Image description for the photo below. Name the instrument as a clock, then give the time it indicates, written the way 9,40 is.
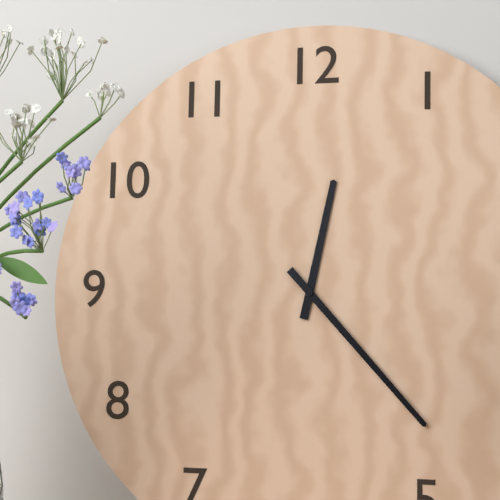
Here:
12,23
